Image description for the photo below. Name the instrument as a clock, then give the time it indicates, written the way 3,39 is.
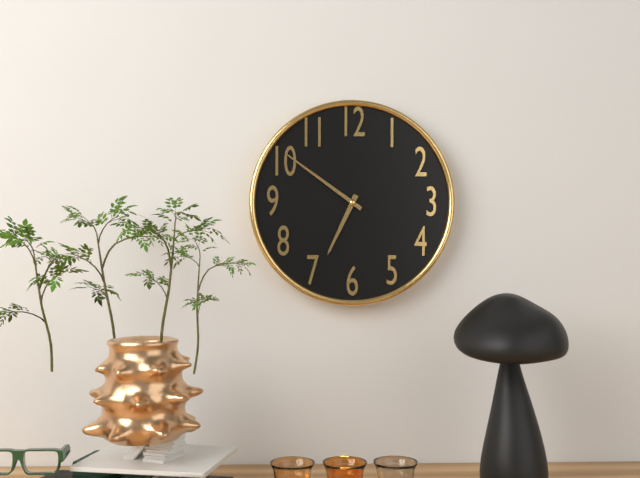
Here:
6,51
